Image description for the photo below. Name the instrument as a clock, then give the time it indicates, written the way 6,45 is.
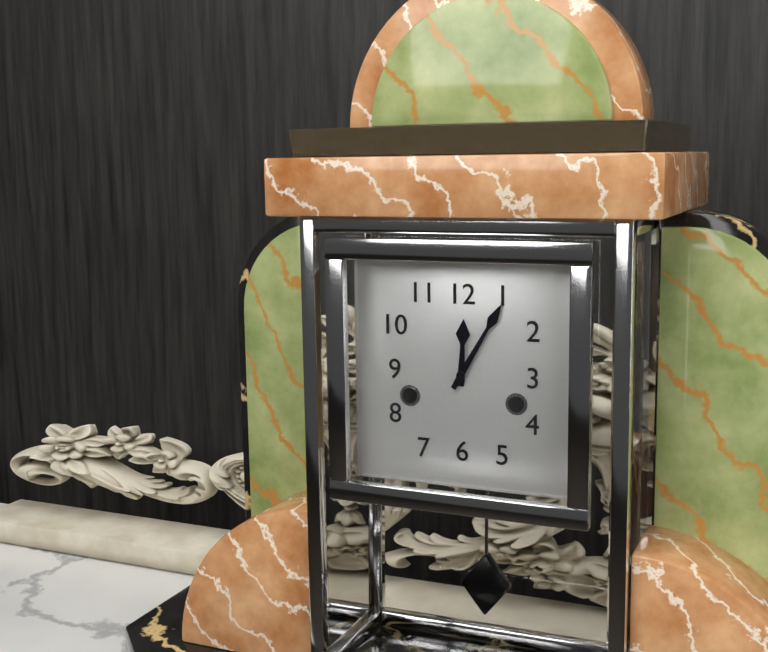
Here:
12,05
